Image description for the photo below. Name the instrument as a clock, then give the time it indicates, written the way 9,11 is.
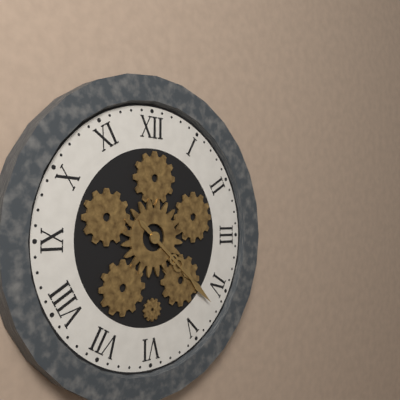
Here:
4,22
